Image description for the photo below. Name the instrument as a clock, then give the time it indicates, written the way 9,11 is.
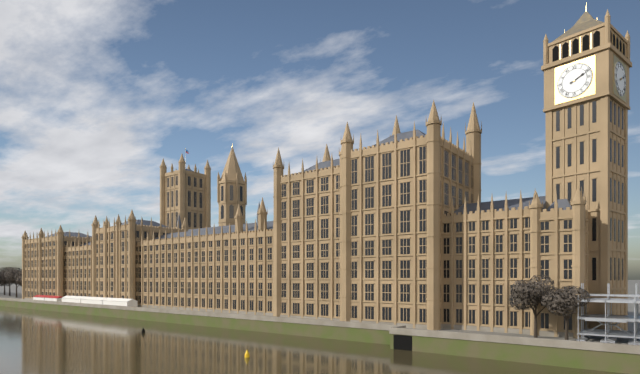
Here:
2,11
